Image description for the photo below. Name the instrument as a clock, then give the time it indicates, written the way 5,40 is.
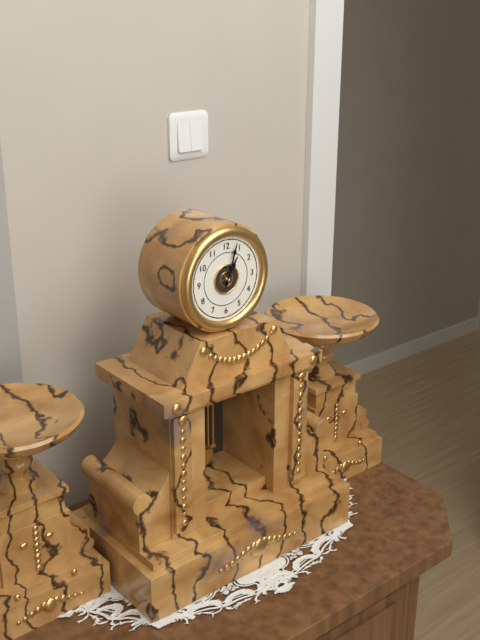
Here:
1,03
